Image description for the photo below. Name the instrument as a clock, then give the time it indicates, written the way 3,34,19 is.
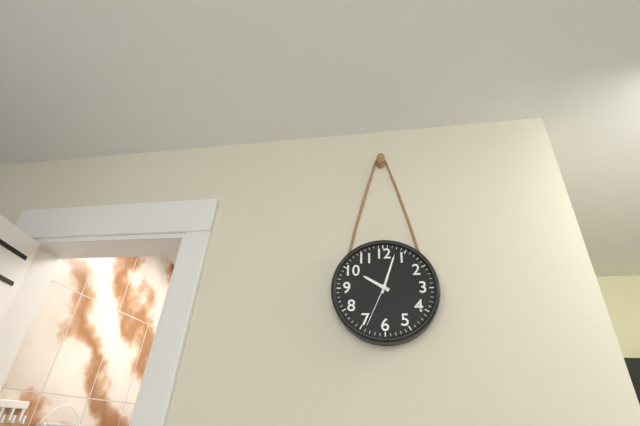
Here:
10,03,34
